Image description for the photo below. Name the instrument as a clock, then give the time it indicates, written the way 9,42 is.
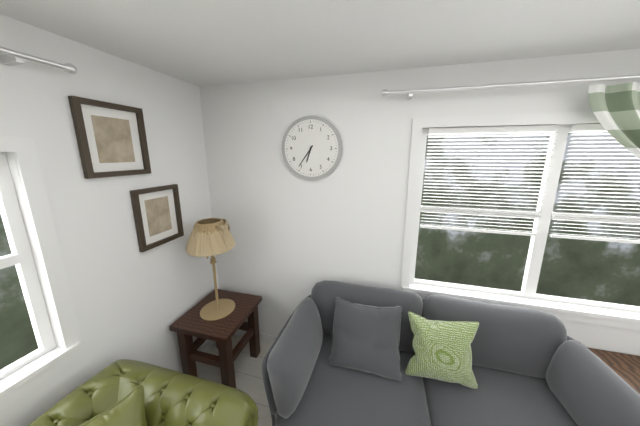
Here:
6,36
